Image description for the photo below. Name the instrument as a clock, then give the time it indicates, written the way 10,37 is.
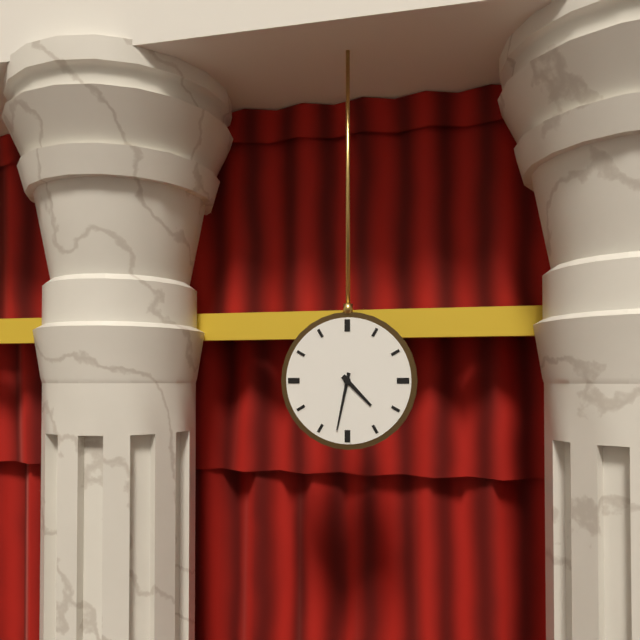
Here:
4,32
